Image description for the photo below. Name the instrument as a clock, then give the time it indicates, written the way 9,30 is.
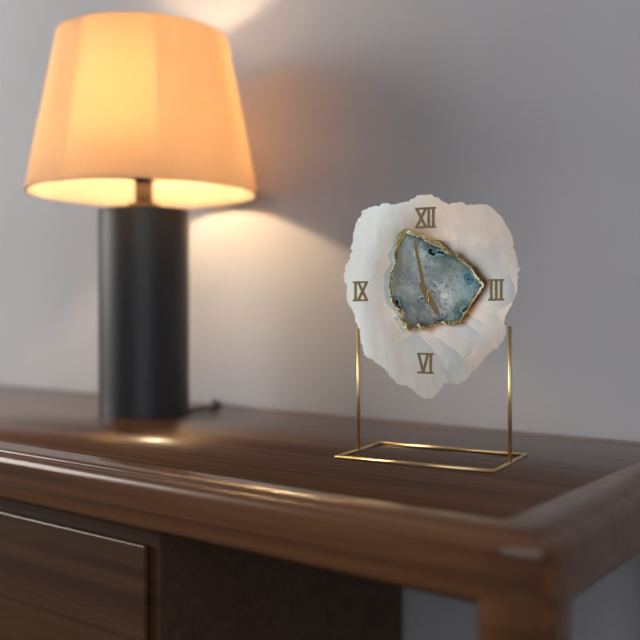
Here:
4,58
